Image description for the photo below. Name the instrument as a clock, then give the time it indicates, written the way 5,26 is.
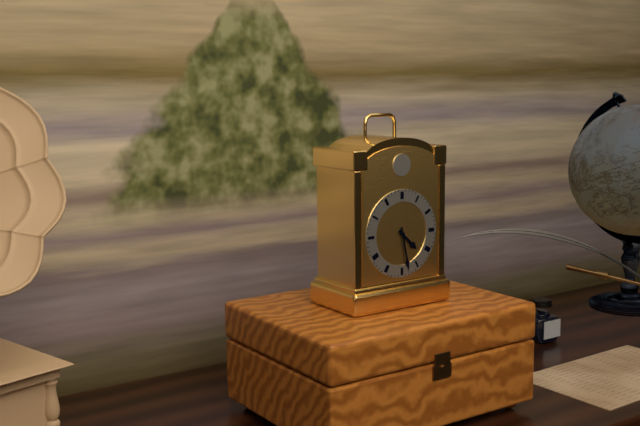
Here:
4,28
